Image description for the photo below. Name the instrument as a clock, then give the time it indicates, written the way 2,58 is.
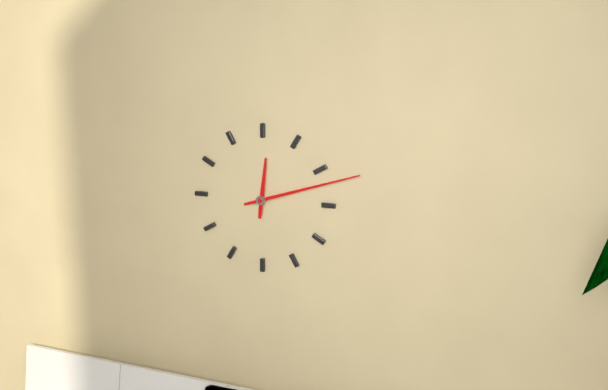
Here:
12,12
